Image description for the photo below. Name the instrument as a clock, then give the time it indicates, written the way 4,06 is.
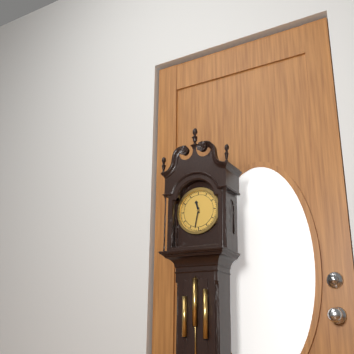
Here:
11,32
